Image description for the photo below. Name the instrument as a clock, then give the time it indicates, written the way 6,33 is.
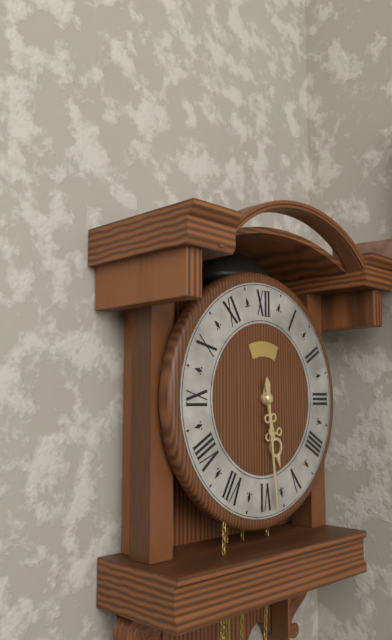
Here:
5,29
